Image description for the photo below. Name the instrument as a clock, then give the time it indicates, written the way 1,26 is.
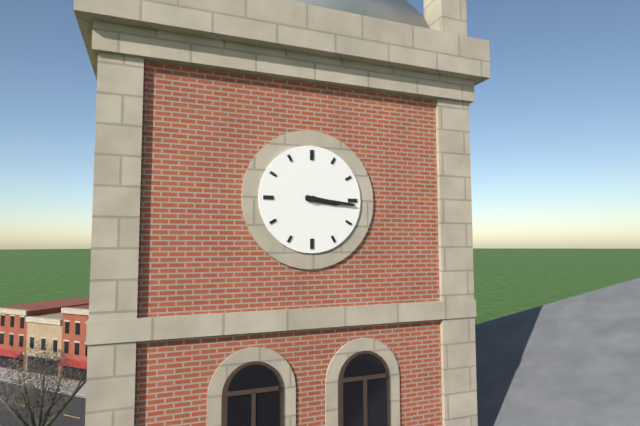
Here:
3,16
